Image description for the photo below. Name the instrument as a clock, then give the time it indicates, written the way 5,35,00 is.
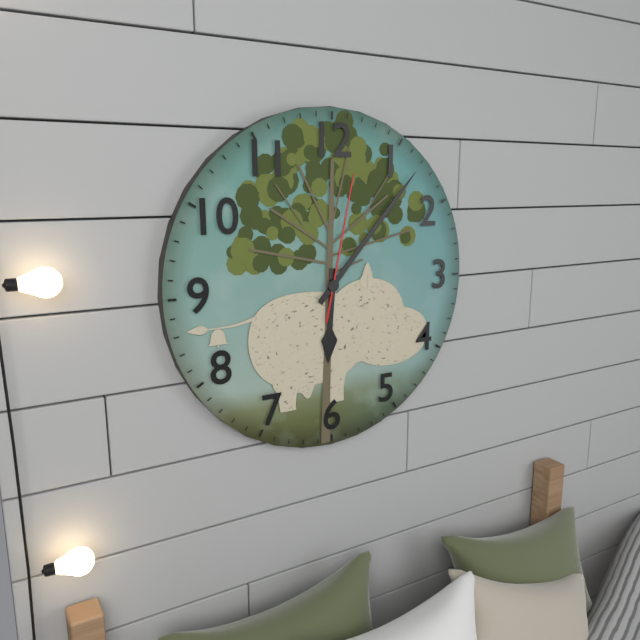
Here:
6,07,02
